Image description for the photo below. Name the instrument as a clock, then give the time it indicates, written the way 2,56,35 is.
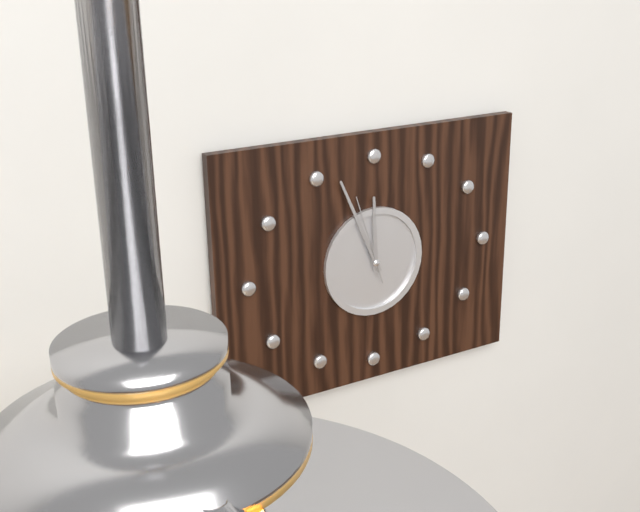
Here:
11,56,57
